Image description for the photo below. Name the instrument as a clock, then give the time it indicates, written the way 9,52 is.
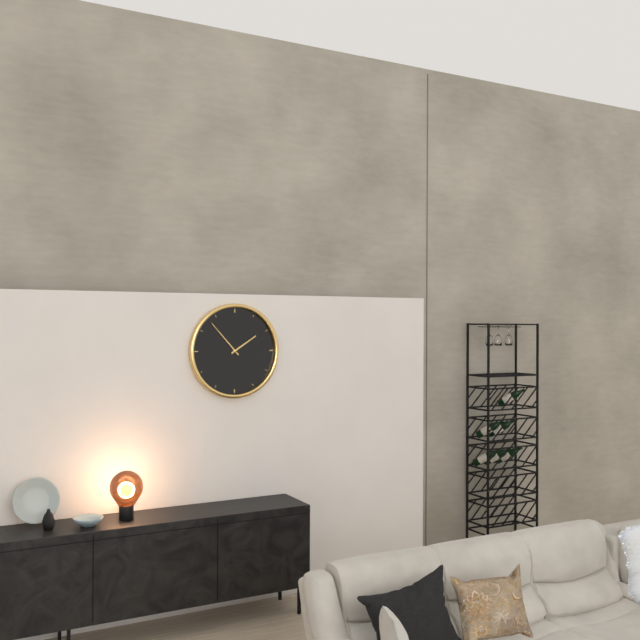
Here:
1,53
